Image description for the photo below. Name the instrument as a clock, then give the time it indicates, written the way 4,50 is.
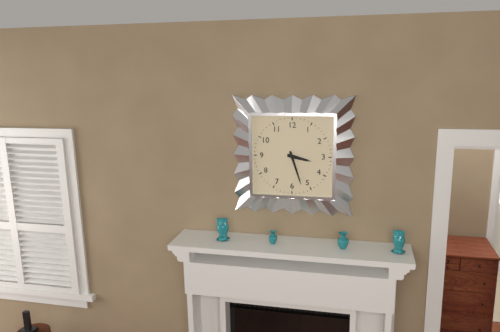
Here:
3,27
